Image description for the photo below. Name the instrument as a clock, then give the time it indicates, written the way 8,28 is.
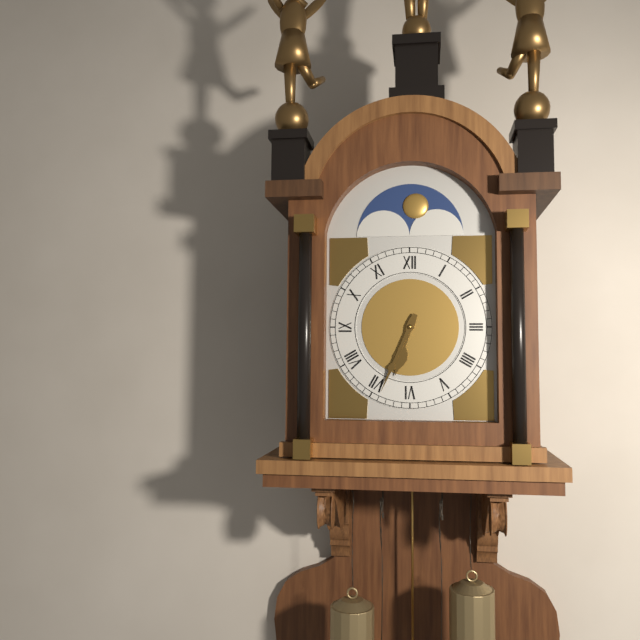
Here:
6,34
